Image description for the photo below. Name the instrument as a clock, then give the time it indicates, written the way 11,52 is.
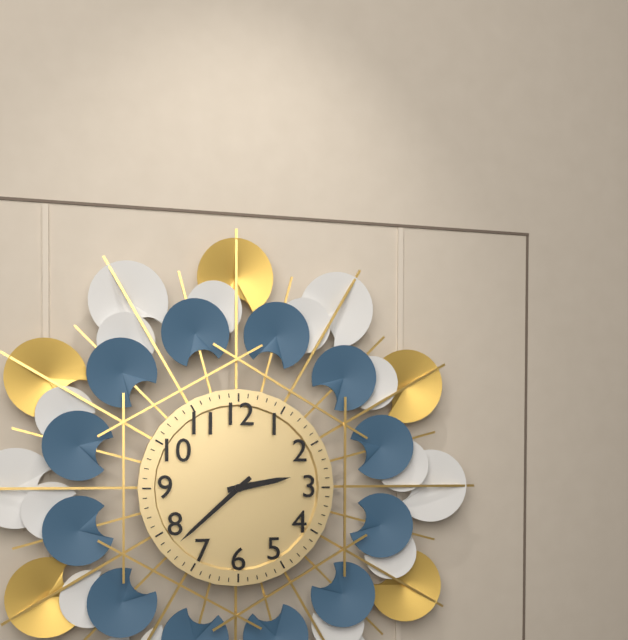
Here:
2,38
